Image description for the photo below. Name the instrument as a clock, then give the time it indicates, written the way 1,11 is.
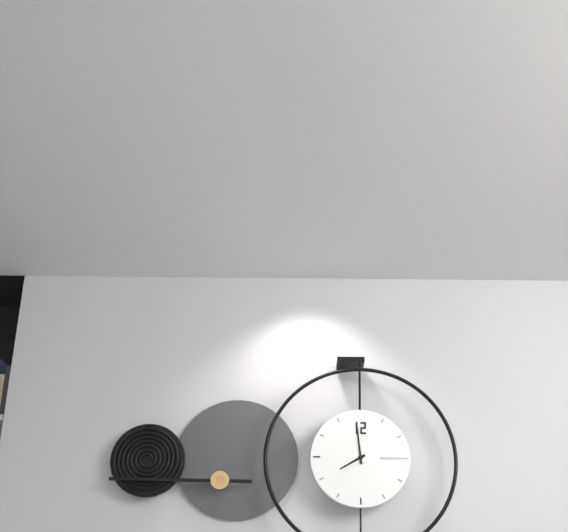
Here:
7,59
